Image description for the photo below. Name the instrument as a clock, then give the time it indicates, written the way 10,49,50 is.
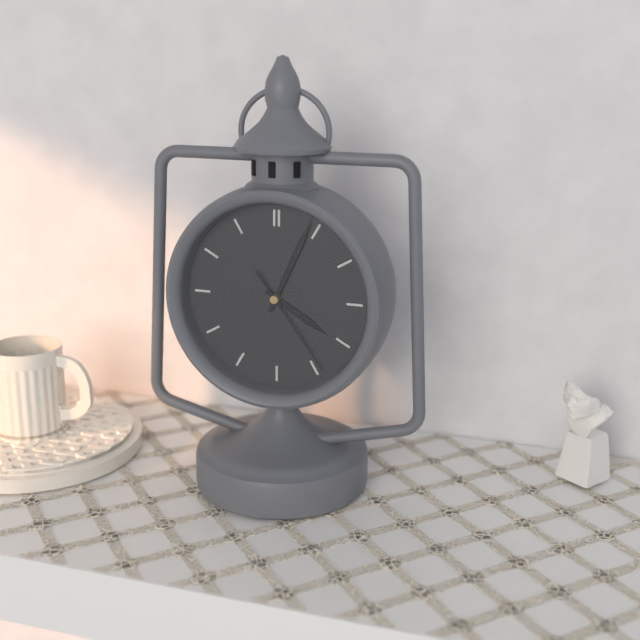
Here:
4,04,24
